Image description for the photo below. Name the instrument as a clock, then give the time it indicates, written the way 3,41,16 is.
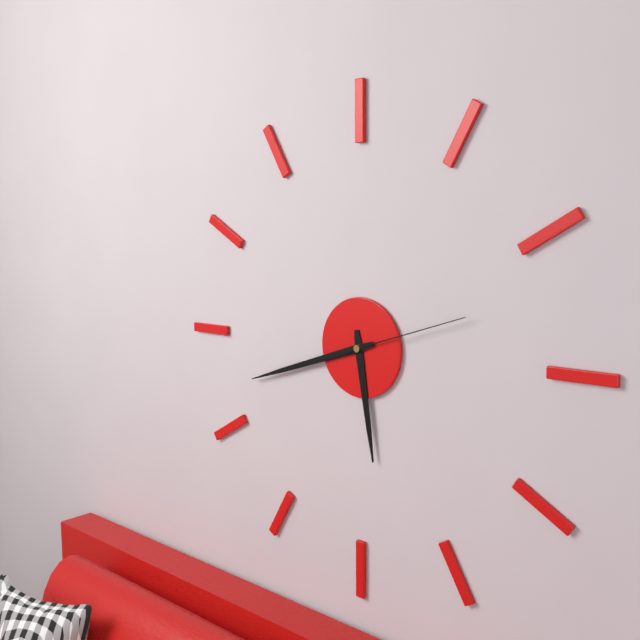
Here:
5,42,12
